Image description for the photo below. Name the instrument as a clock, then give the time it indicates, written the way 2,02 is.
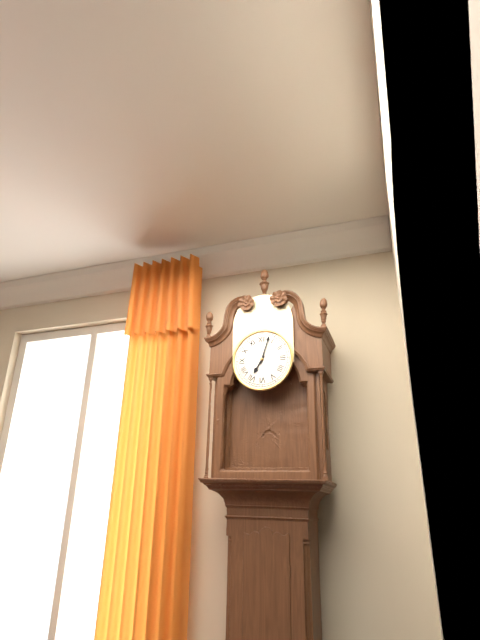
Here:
7,03
